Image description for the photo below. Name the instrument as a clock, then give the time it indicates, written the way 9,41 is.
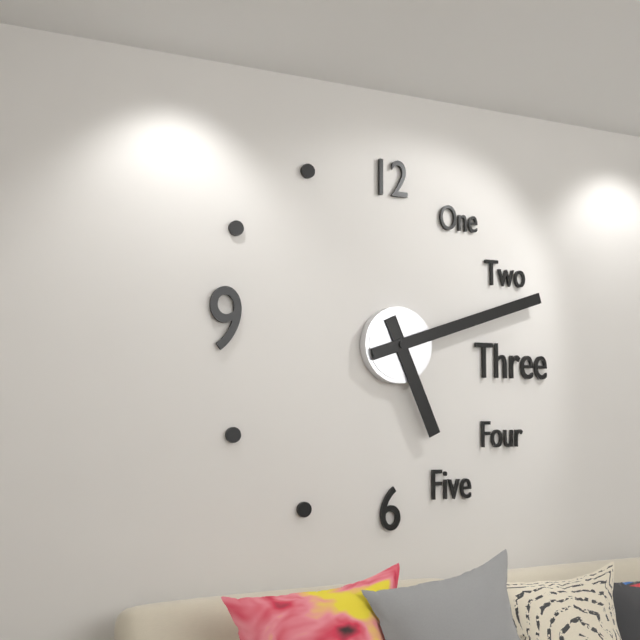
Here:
5,12
